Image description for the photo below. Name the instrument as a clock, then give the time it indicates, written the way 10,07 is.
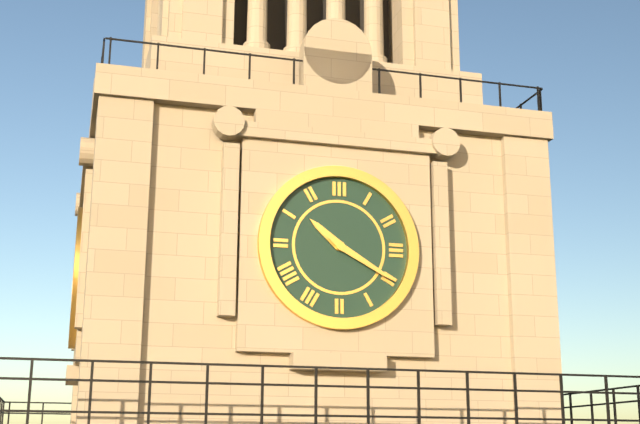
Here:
10,20
